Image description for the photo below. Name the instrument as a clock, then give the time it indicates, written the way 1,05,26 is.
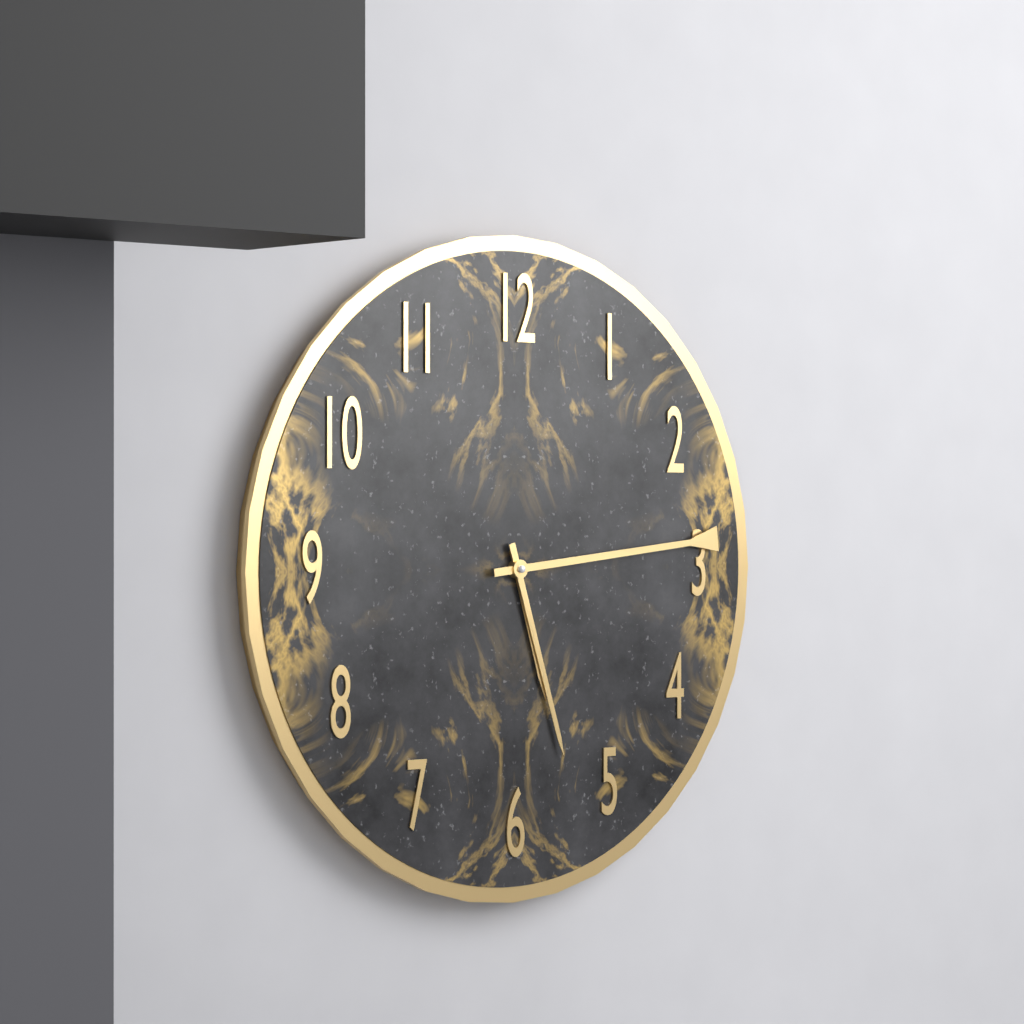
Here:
5,27,14
